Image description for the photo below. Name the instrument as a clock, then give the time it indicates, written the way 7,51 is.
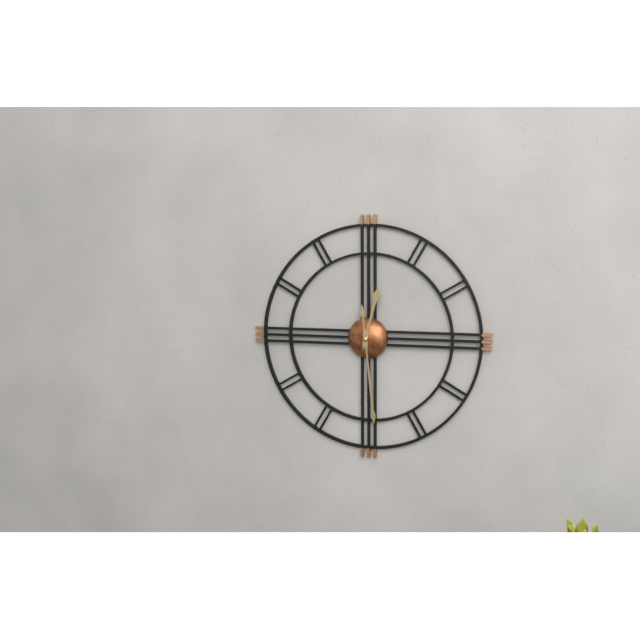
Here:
12,29
